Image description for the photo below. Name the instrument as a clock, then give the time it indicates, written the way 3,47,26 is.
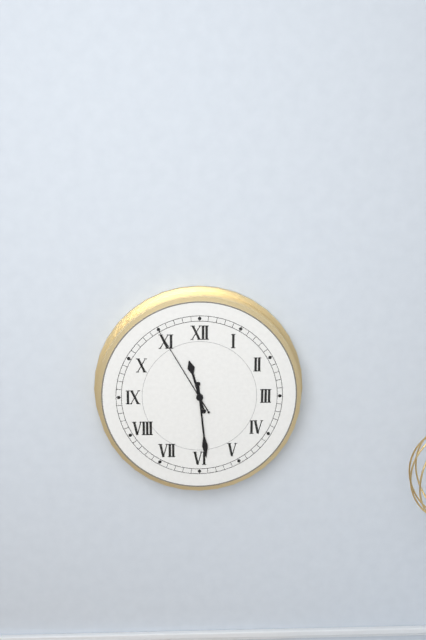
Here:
11,29,55
